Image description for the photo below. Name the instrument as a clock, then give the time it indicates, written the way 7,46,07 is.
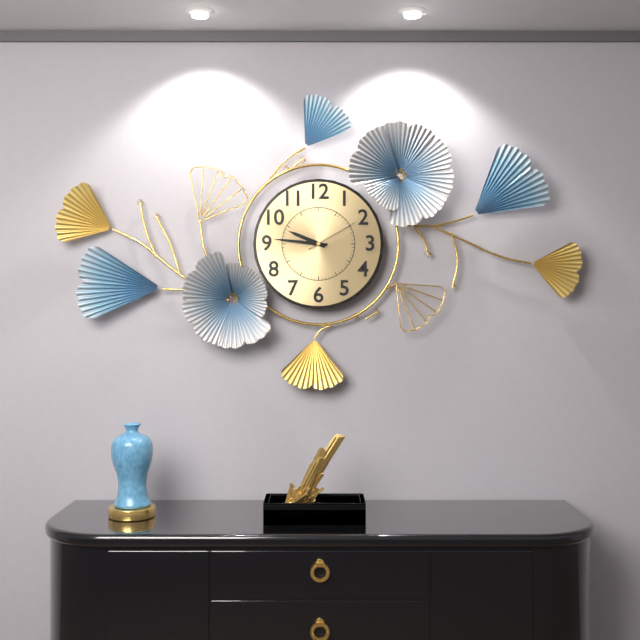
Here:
9,46,10
